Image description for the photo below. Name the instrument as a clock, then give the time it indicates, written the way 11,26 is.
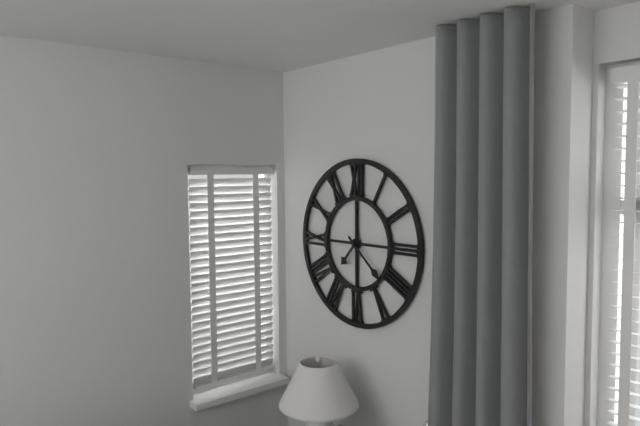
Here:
7,22
